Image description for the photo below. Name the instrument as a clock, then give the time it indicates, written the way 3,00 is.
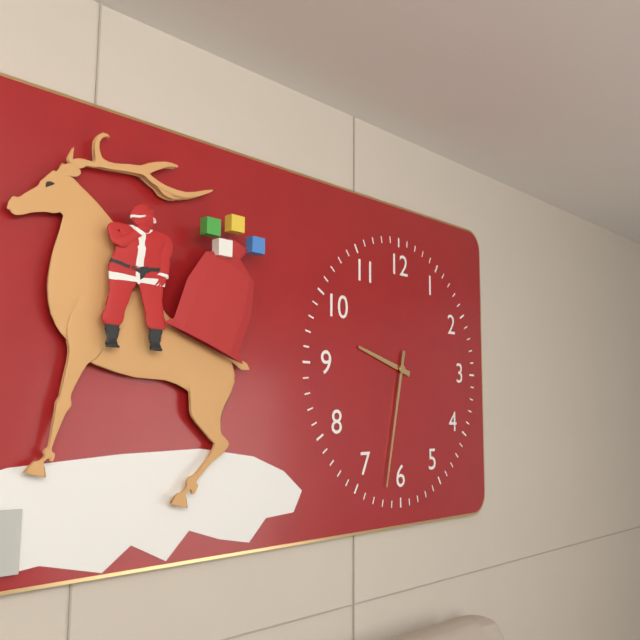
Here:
9,32
